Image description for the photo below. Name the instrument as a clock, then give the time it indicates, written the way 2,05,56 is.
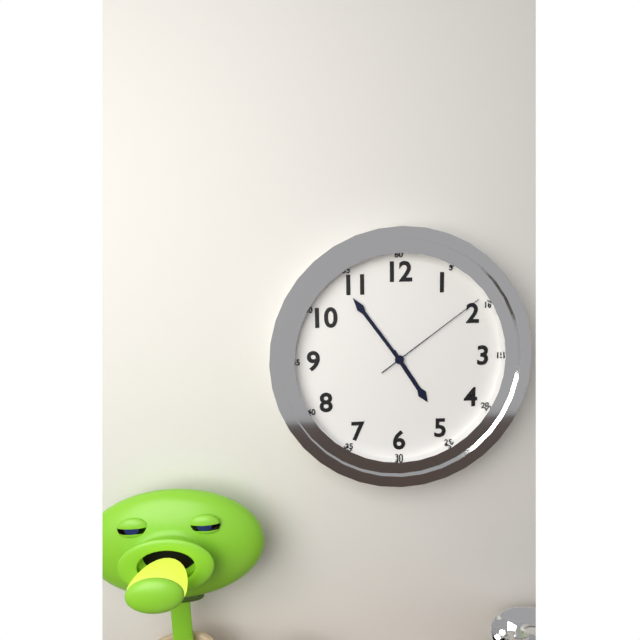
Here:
4,54,09
